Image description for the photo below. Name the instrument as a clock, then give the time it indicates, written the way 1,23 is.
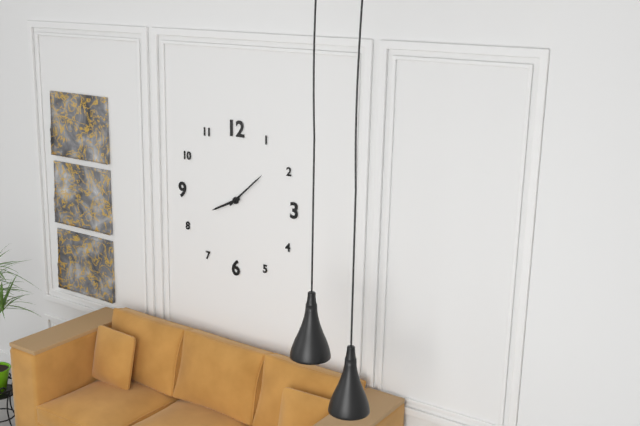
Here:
8,08
